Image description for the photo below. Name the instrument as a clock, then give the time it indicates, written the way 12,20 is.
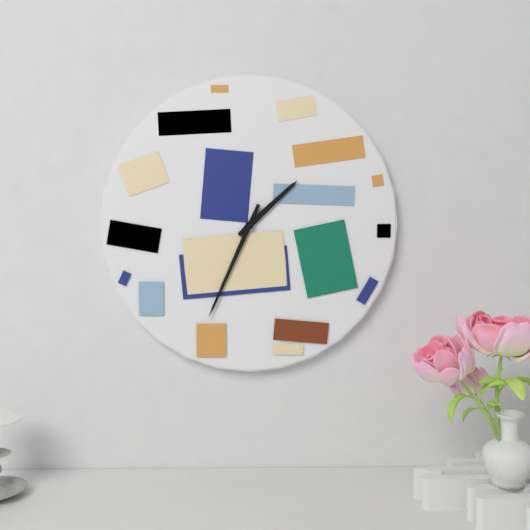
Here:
1,34
